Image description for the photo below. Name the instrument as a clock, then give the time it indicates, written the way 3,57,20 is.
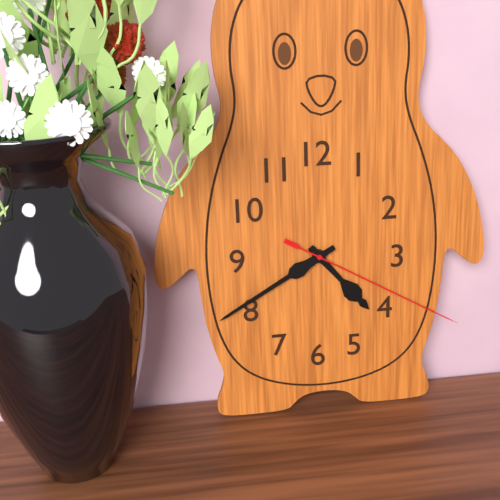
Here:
4,40,20
